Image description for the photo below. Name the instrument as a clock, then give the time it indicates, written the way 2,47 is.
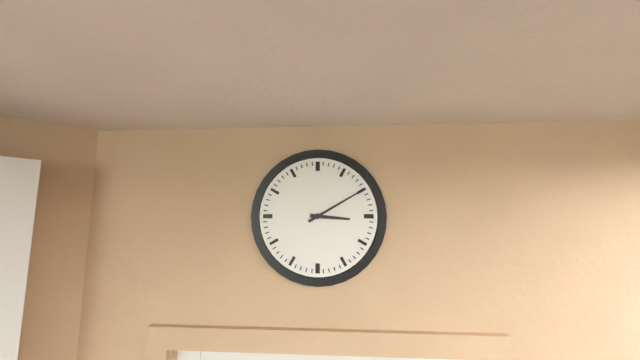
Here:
3,10
